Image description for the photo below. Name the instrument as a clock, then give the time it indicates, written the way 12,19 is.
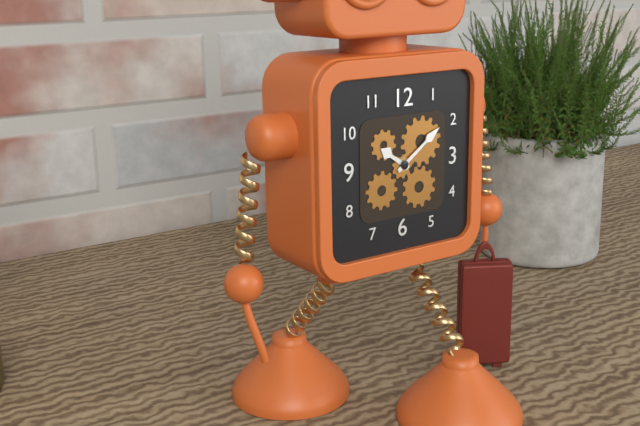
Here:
10,09
